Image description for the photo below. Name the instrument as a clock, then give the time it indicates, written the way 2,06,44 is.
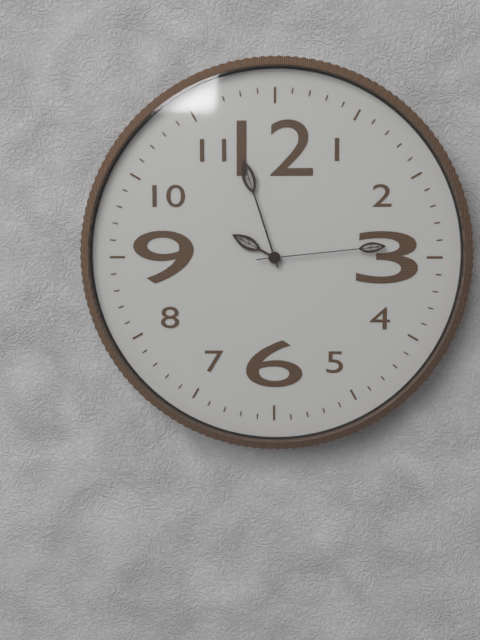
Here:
9,57,14
